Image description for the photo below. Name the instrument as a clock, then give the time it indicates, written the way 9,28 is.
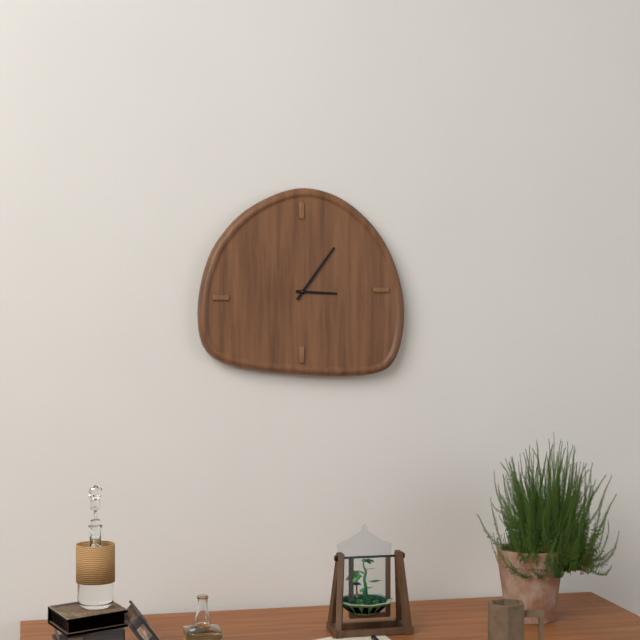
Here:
3,06
